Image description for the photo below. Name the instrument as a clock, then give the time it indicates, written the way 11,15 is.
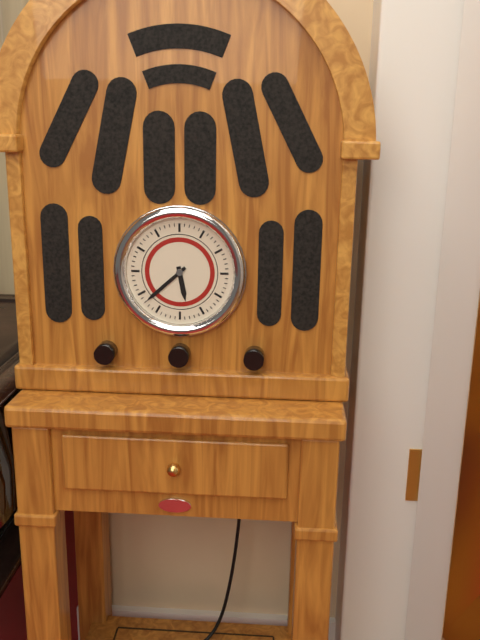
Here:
5,38
